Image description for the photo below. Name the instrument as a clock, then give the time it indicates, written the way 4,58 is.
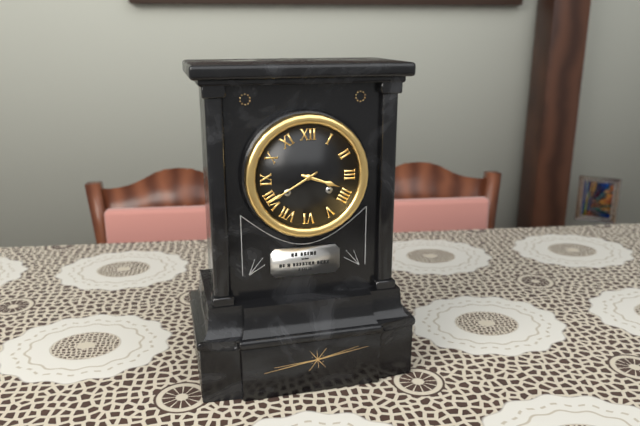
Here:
3,40
